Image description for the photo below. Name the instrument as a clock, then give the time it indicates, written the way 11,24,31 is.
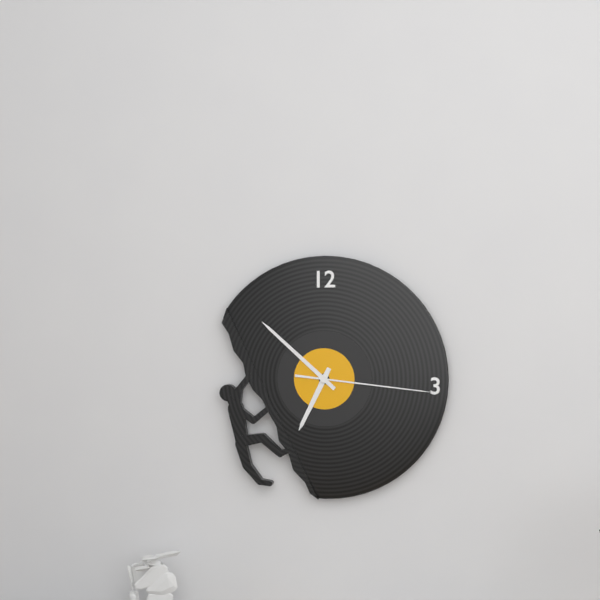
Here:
6,52,16
